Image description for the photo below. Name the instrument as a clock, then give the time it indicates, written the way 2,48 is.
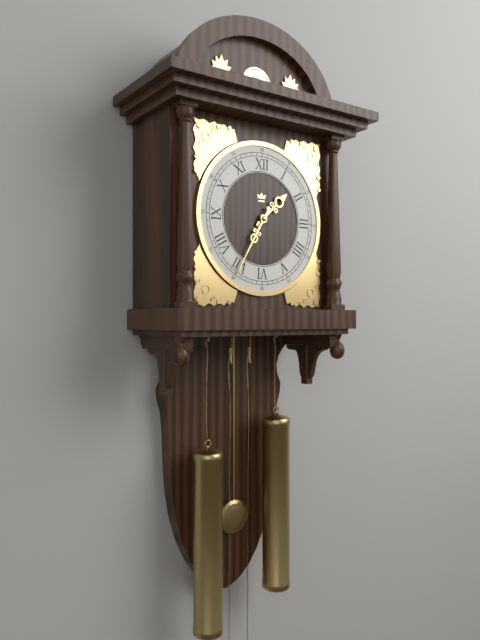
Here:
1,35
